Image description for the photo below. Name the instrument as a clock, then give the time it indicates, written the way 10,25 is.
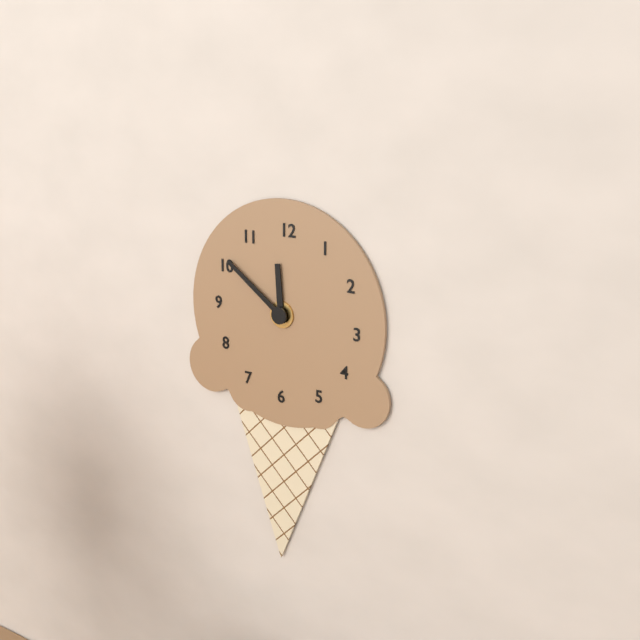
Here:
11,51
